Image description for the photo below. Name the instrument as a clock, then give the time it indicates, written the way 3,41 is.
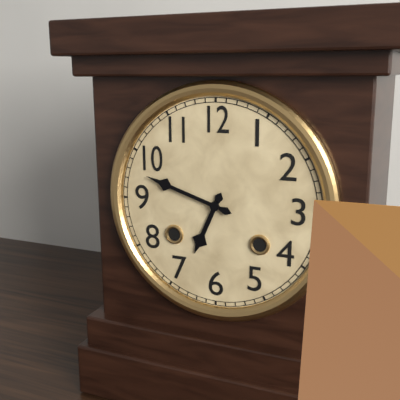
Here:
6,48
